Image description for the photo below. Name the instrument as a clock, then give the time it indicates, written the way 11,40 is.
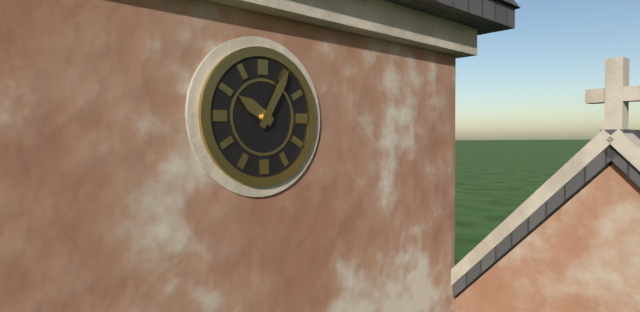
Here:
10,05
